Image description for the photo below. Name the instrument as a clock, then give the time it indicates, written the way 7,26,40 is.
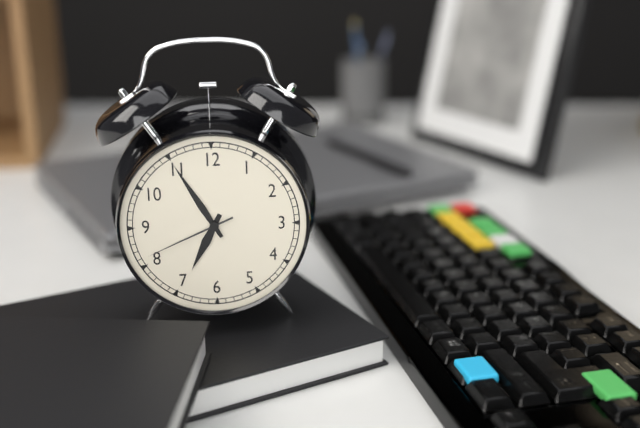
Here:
6,55,41
